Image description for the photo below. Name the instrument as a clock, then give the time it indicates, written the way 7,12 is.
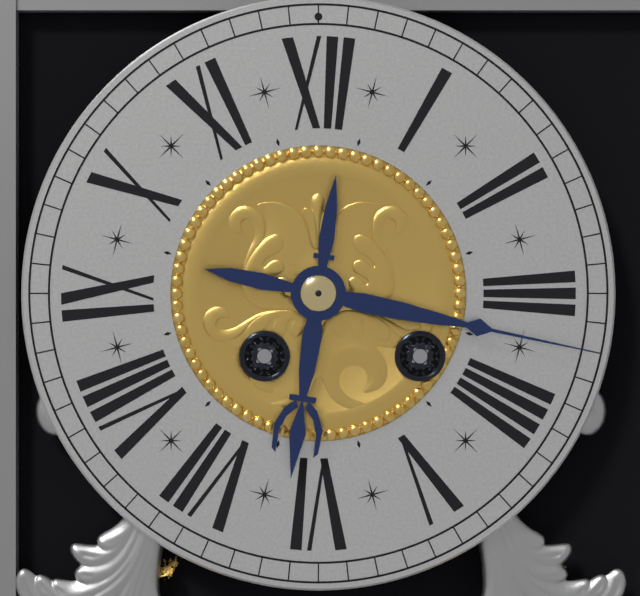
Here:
6,17
